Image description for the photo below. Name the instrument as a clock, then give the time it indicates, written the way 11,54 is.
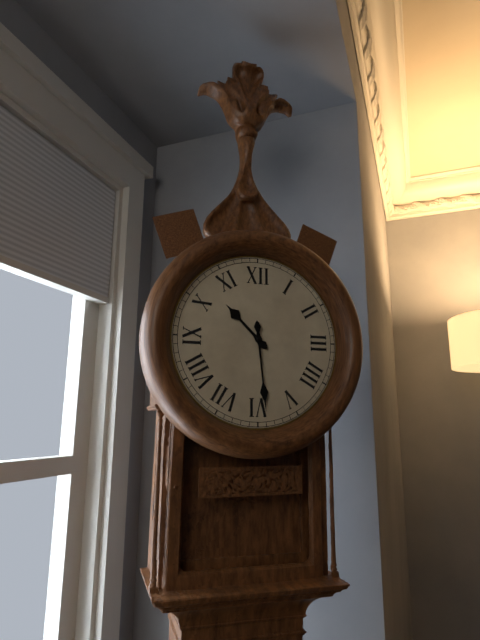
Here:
10,29
